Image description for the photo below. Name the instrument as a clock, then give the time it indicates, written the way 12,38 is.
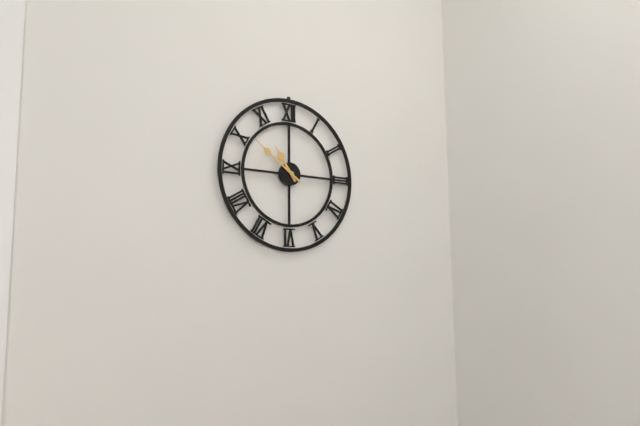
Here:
10,51
